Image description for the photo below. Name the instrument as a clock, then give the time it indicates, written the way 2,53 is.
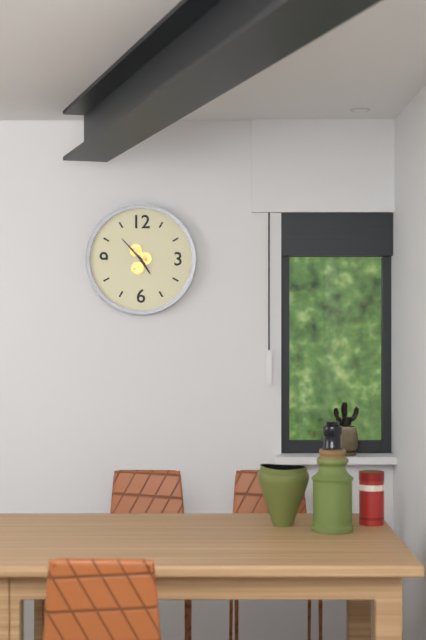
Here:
4,53
